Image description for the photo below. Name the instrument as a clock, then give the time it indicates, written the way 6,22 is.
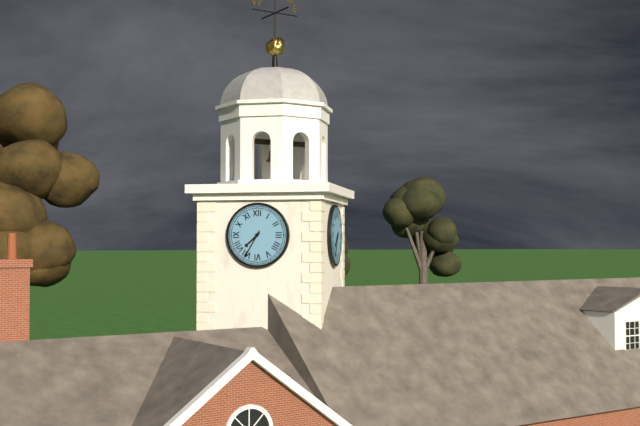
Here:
7,35
